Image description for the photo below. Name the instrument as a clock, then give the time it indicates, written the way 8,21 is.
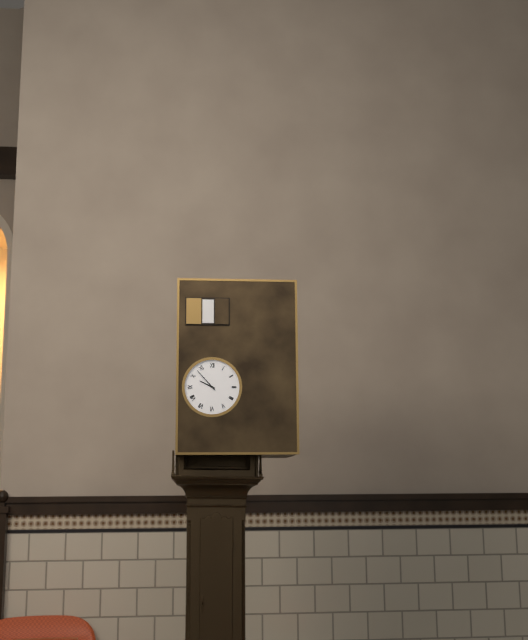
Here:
9,53
